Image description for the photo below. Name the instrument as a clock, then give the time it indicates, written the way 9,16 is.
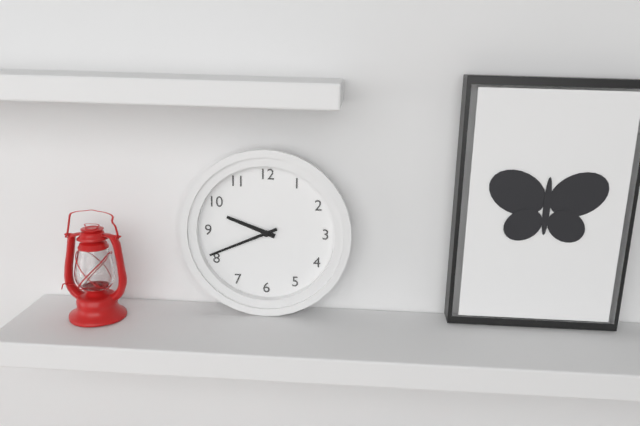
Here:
9,41
